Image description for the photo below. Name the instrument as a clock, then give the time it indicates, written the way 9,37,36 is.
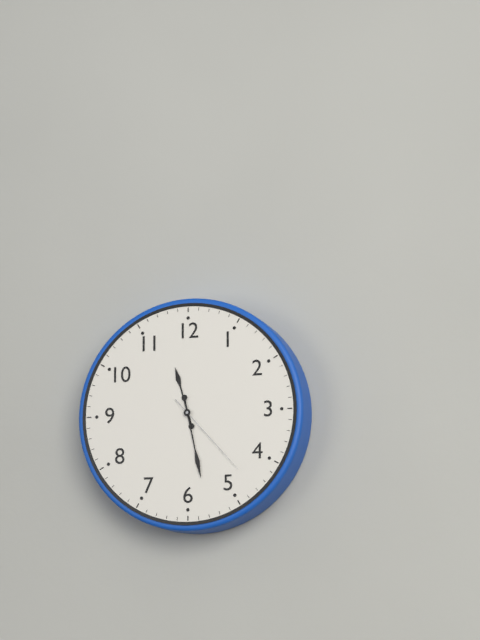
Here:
11,28,23
